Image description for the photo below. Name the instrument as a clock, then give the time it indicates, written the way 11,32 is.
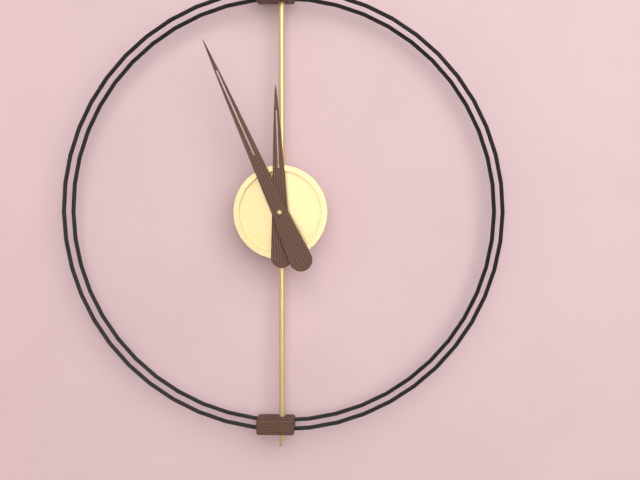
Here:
11,56
